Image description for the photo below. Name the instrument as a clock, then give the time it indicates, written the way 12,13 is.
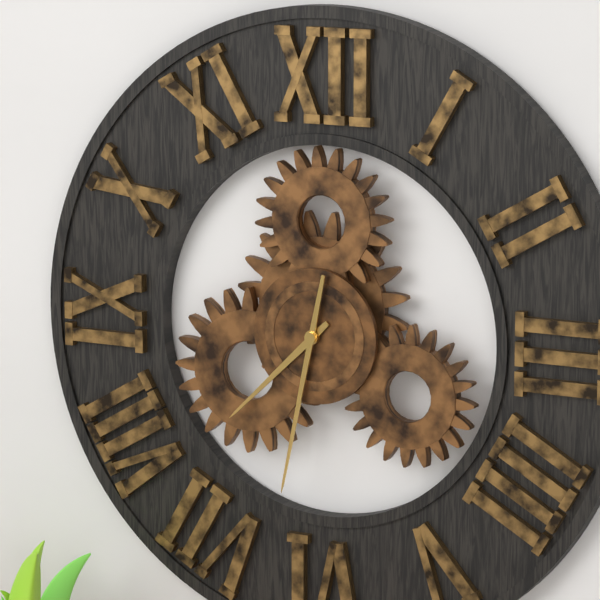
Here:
7,32
